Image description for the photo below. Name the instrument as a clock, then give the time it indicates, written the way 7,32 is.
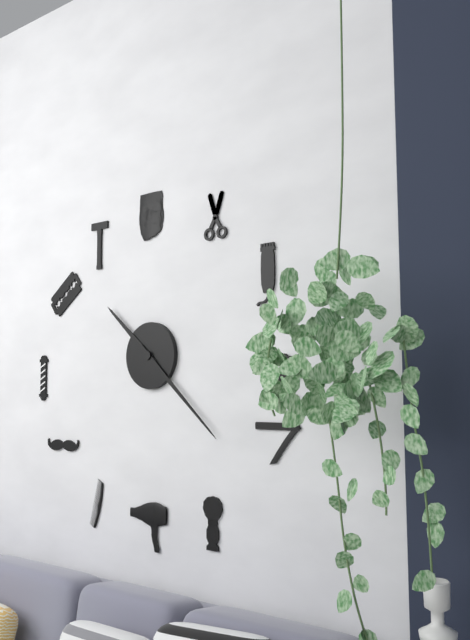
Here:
10,22
